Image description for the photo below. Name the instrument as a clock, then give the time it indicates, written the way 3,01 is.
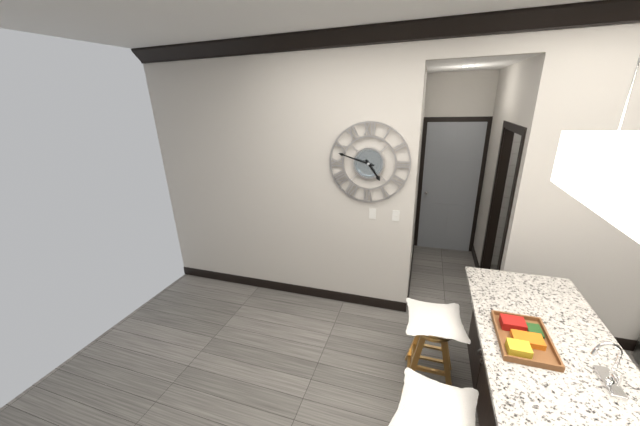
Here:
4,48
